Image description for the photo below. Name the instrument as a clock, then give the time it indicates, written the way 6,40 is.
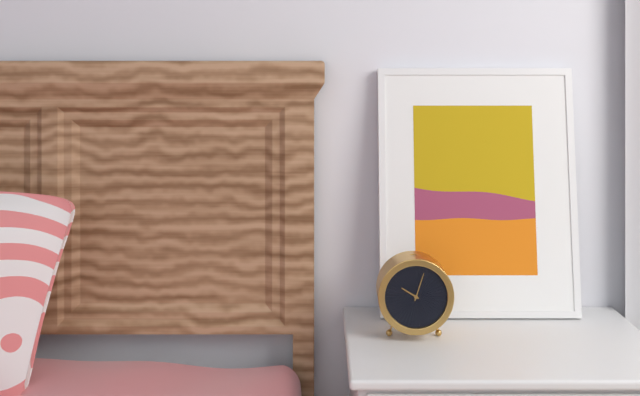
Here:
10,03
